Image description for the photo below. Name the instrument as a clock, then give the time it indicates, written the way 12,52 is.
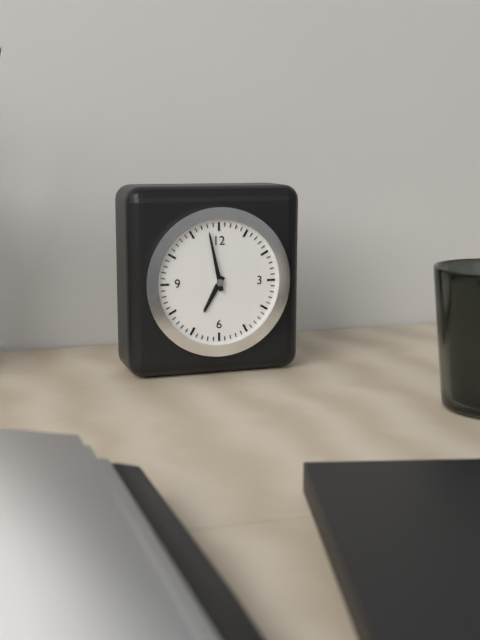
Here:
6,58
